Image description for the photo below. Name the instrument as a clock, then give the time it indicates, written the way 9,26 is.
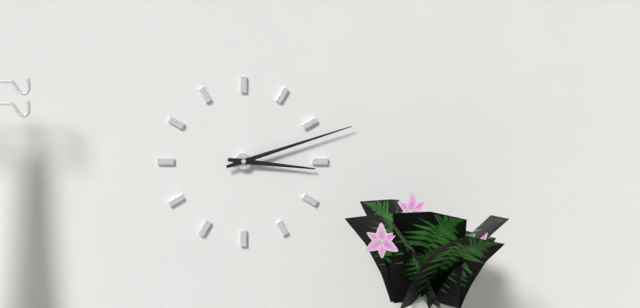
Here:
3,12
